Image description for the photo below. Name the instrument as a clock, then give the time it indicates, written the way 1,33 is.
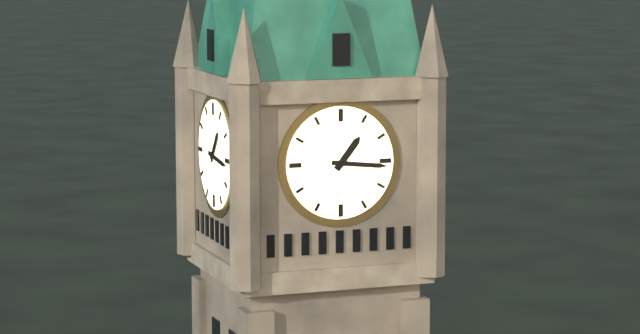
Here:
1,16
